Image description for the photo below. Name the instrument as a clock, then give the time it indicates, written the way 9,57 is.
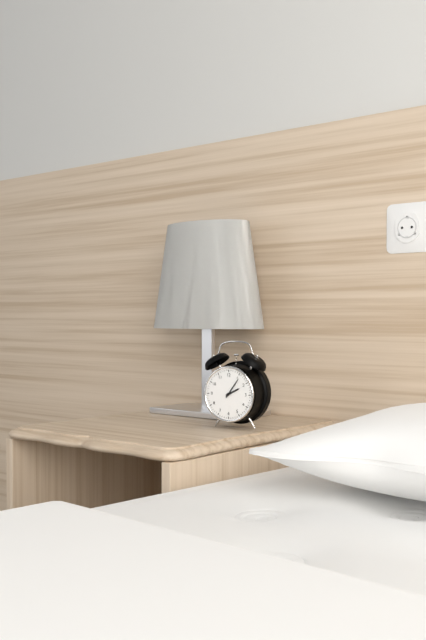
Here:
2,06
